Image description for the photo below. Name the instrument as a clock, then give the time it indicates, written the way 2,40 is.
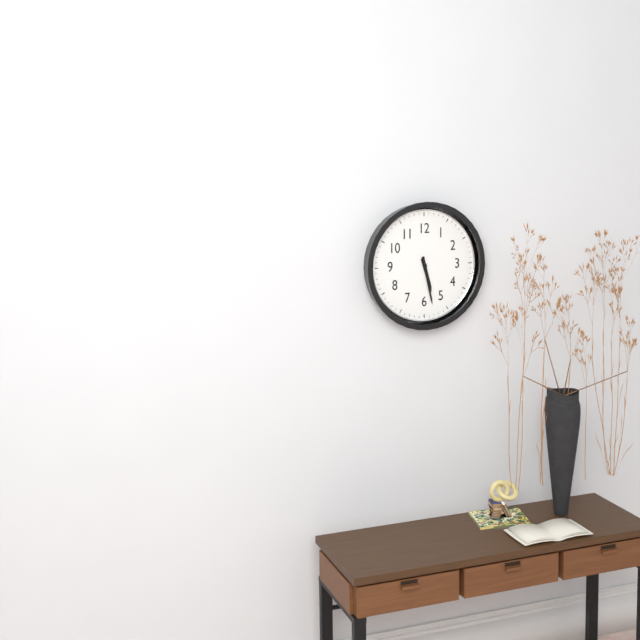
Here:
5,28
